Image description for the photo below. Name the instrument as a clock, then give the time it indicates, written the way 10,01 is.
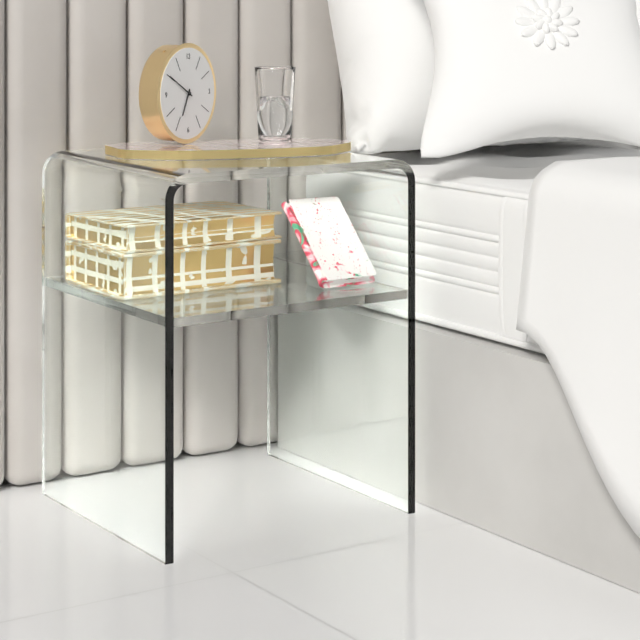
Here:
6,50
